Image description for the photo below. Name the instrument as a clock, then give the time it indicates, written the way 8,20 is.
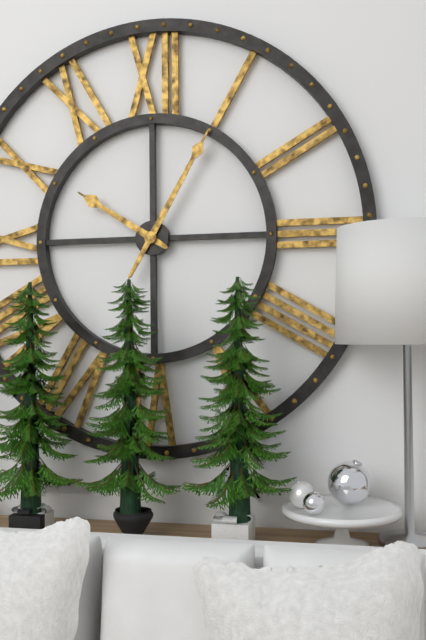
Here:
10,05
